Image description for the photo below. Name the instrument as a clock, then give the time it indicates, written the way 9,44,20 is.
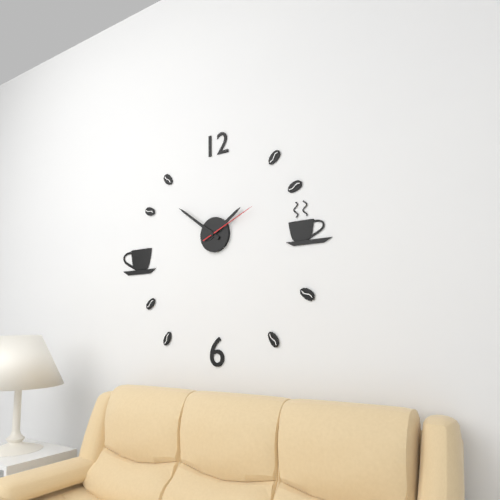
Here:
1,51,11
